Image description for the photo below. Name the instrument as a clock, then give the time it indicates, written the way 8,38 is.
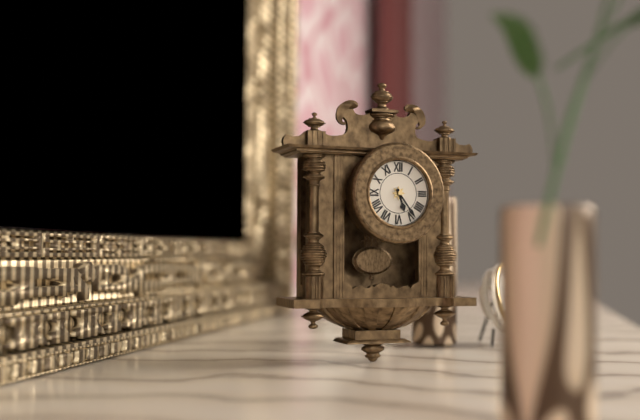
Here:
5,24
